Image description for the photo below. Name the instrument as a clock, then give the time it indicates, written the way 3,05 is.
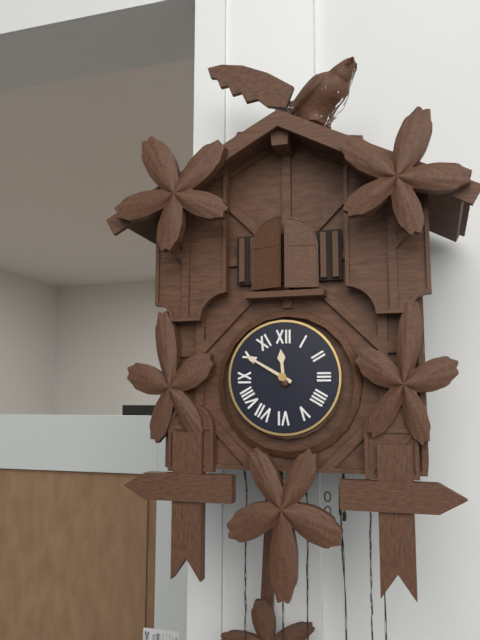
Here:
11,50
